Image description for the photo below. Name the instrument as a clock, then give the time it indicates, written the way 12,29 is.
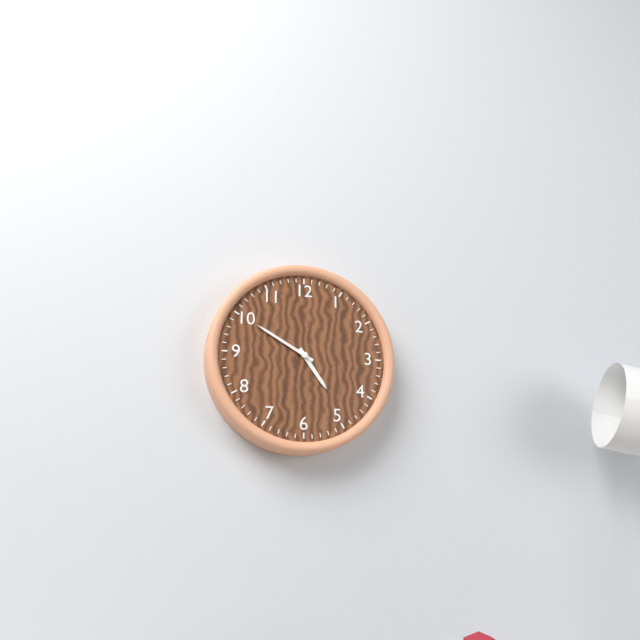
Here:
4,50
